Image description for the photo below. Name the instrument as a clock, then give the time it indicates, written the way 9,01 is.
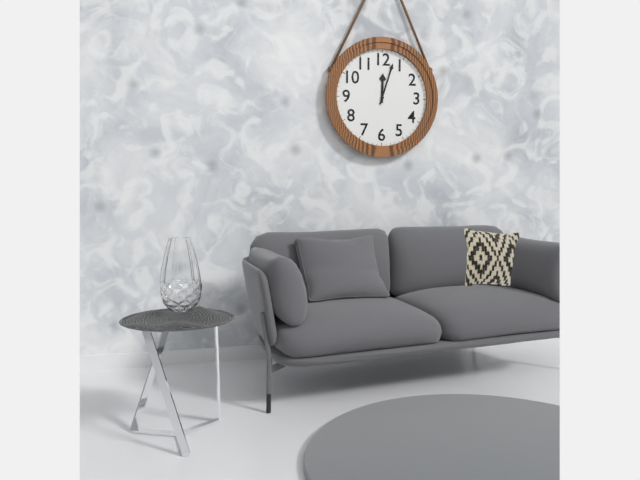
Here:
12,03
